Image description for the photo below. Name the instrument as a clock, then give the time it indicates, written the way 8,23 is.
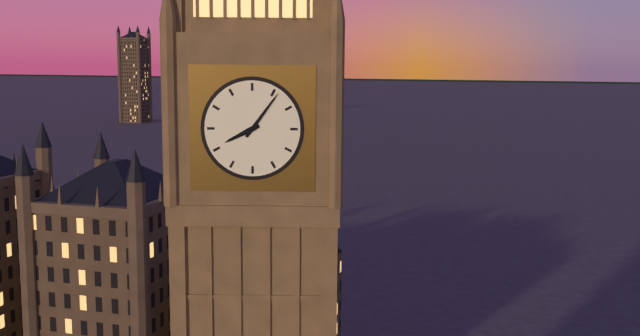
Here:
8,06
